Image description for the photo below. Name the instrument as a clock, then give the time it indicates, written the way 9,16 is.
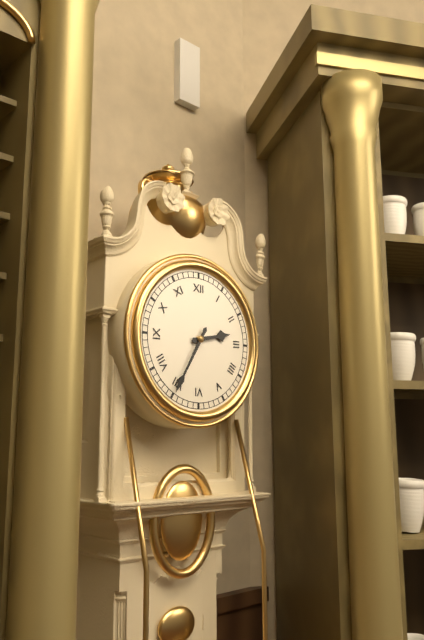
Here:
2,35
